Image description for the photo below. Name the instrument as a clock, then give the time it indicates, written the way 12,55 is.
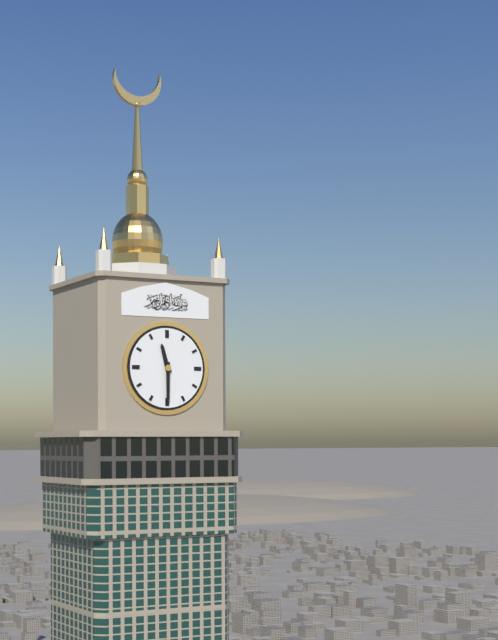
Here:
11,30
